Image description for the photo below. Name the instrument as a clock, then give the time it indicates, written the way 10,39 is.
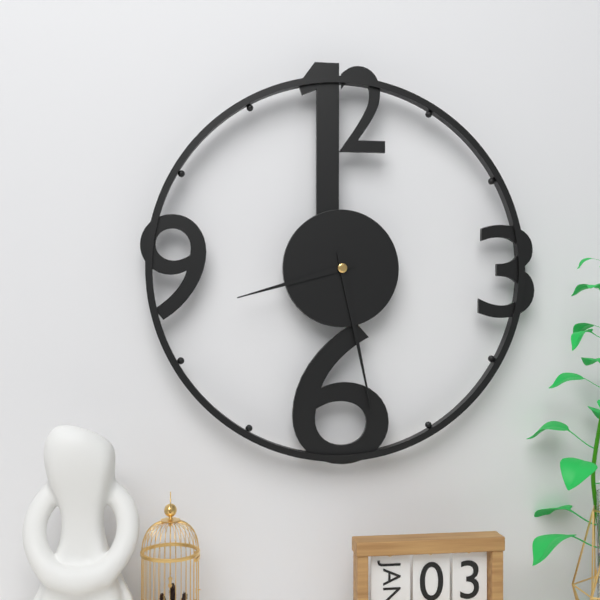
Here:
8,28
